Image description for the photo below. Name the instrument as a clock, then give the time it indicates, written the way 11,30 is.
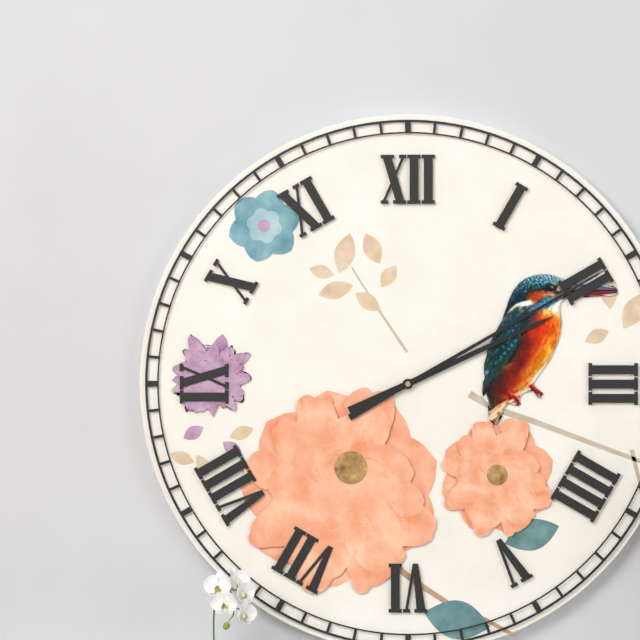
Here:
2,10
